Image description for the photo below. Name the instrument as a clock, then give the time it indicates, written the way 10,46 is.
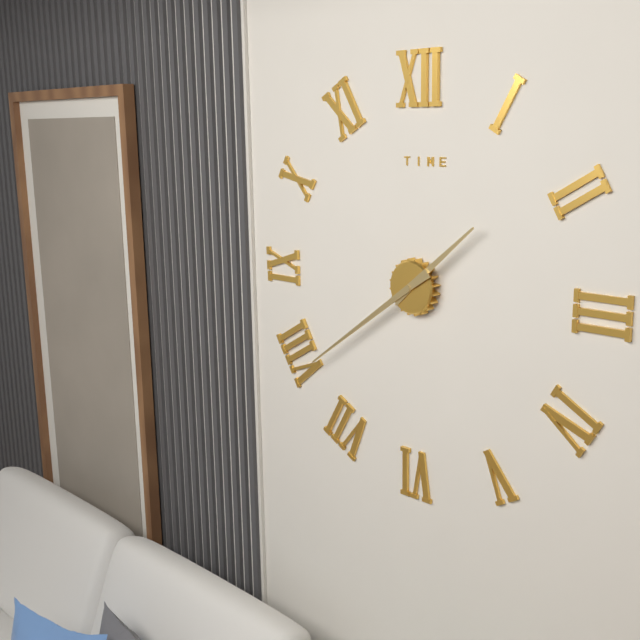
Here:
1,39
